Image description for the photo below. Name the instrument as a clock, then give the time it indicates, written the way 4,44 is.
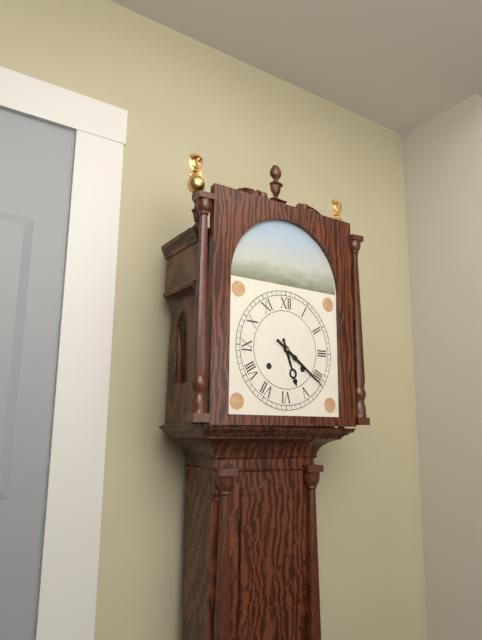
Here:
5,21
